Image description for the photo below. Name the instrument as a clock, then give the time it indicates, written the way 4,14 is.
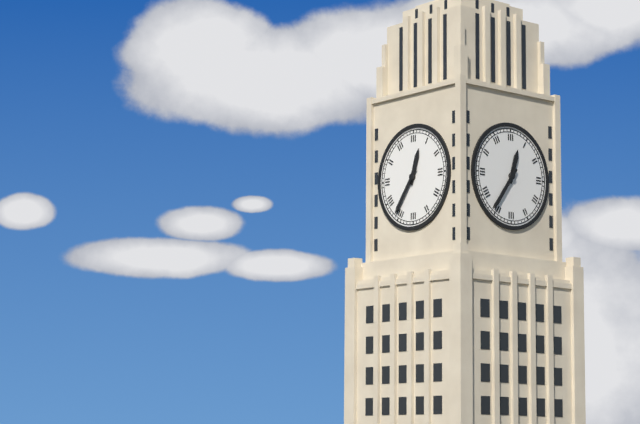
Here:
12,36
